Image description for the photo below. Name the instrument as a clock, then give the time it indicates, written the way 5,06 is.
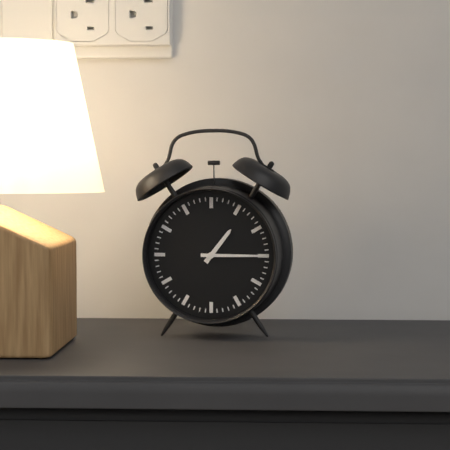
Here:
1,15
